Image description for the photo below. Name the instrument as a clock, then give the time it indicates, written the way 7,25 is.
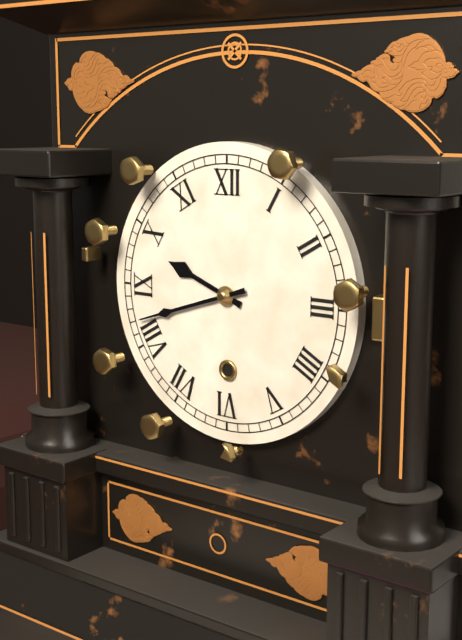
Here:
9,42
